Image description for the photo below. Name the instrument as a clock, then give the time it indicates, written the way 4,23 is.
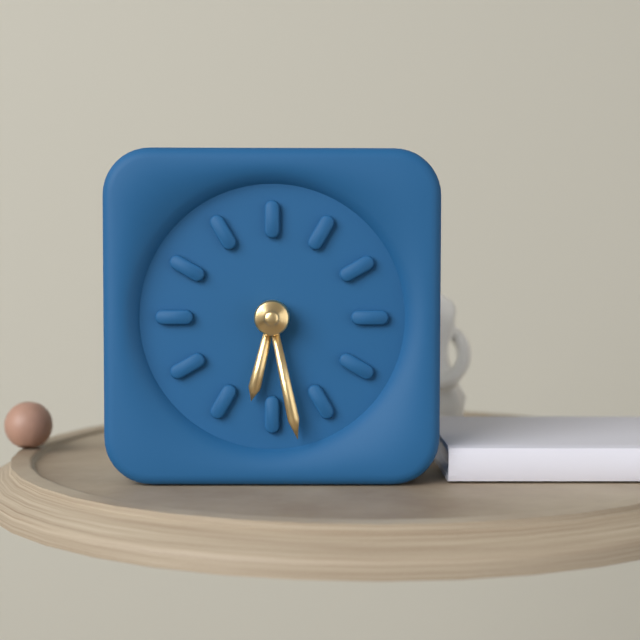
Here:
6,28
